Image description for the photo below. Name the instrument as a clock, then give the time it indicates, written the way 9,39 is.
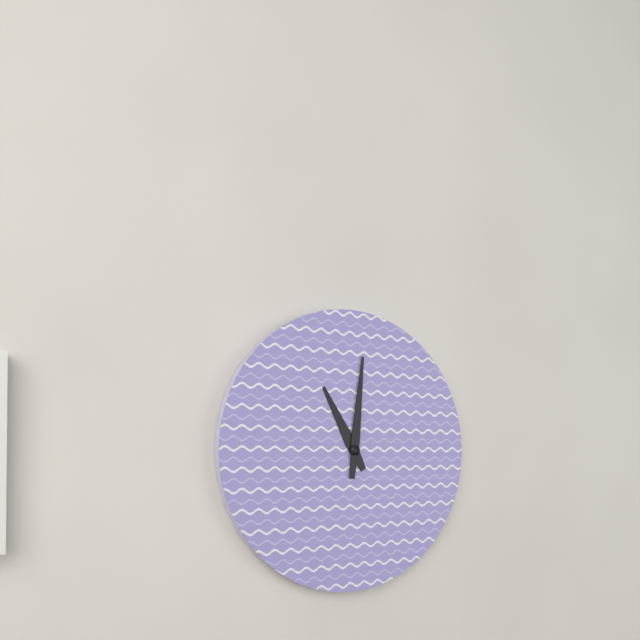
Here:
11,01
